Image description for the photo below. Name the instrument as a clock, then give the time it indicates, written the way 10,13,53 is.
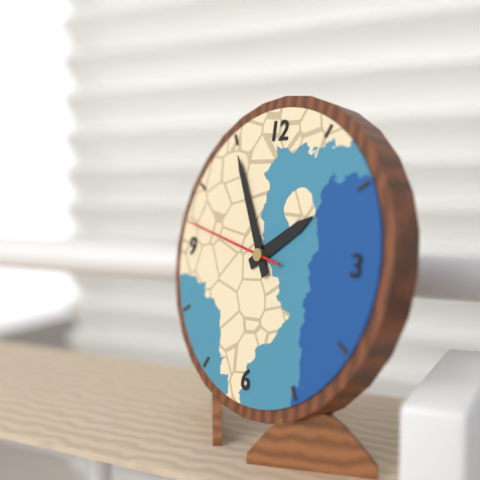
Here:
1,55,47
